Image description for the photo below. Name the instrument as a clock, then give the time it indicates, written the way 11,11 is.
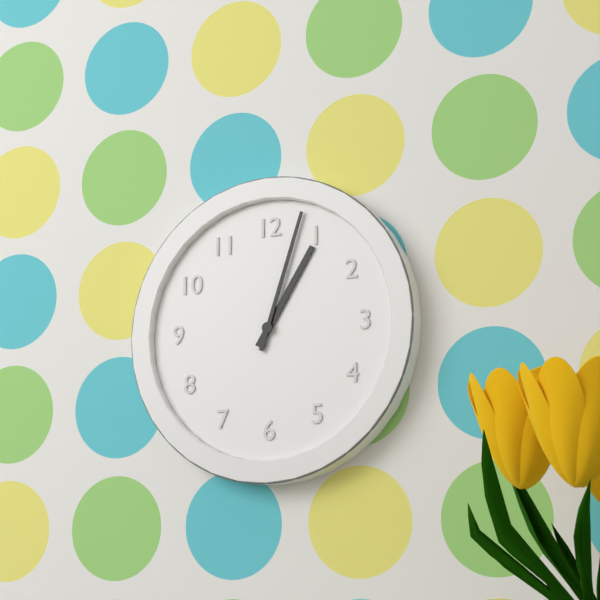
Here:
1,03
